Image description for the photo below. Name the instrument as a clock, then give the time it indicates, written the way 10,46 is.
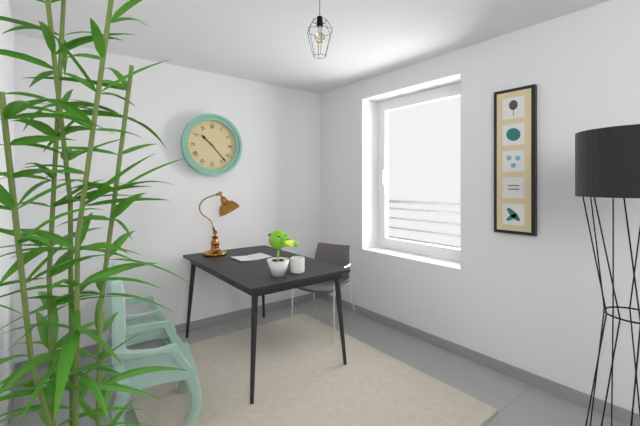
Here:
10,23
